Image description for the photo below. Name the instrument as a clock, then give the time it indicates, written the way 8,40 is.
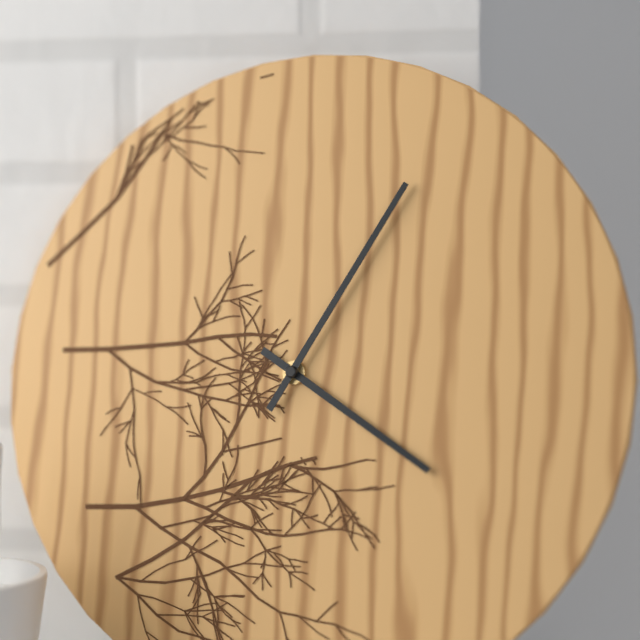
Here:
4,05
